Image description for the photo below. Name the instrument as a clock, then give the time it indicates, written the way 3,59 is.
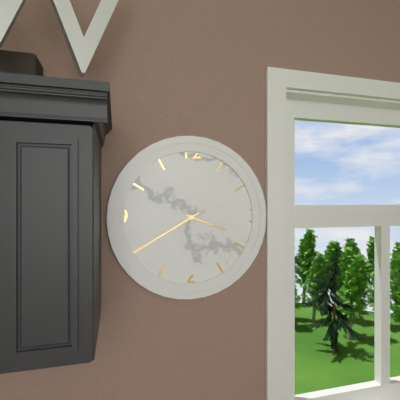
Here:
3,40
